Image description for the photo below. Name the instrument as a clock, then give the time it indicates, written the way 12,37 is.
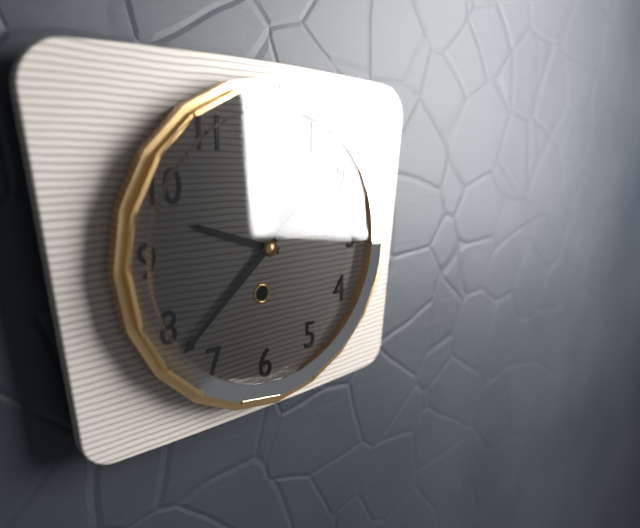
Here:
9,38
